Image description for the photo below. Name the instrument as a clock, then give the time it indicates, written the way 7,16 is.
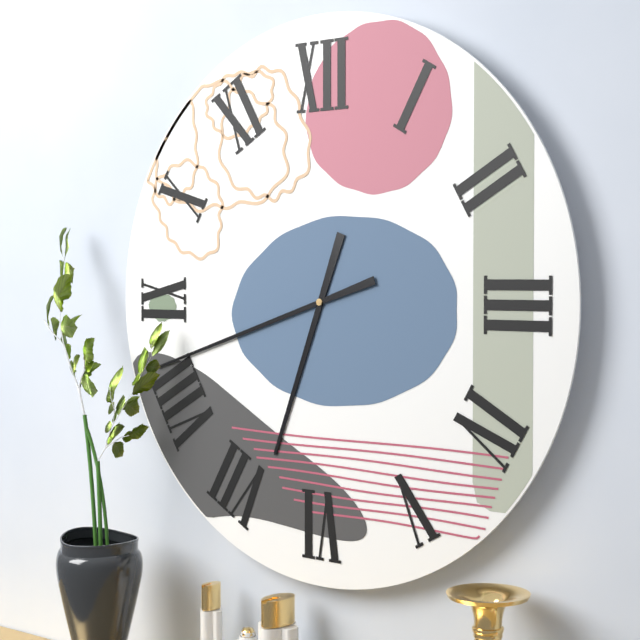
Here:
6,42
